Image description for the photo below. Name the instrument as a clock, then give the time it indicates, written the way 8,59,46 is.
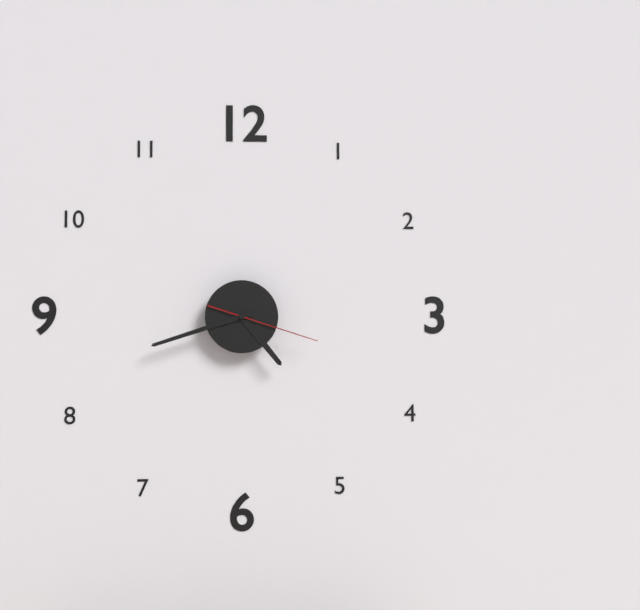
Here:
4,42,18
